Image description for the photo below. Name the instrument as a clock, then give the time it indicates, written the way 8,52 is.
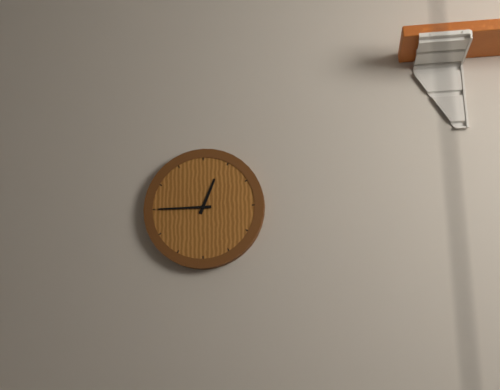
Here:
12,45
